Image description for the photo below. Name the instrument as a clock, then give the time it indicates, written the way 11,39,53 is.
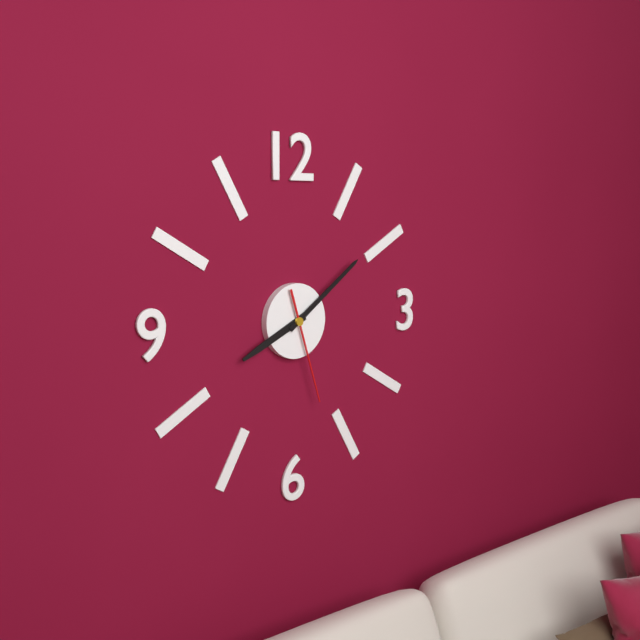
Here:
8,09,27
